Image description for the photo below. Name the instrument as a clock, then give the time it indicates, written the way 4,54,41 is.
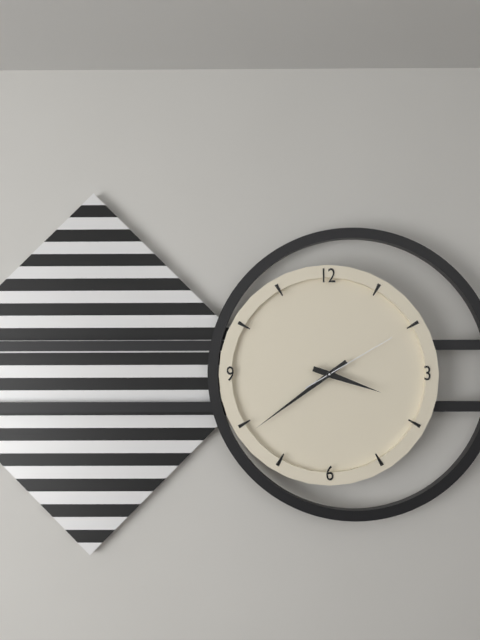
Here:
3,39,10
